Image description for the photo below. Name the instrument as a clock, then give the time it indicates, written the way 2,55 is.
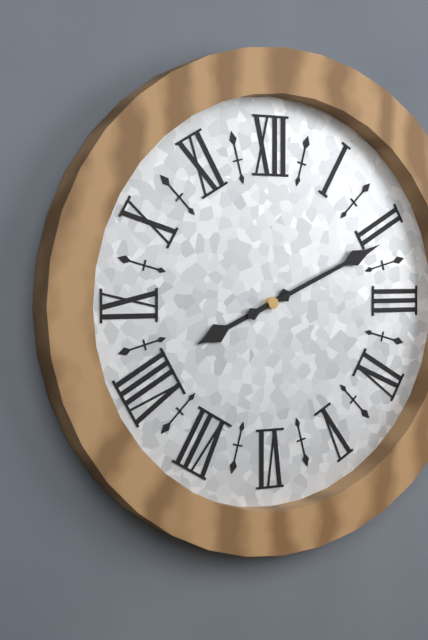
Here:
8,11
